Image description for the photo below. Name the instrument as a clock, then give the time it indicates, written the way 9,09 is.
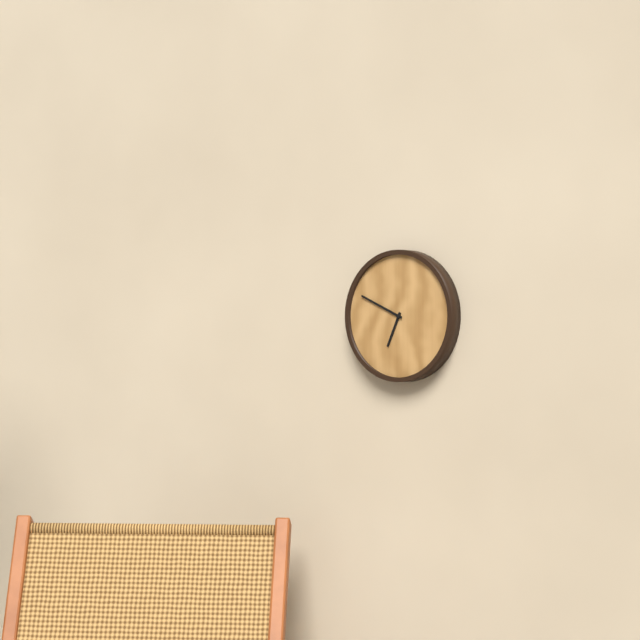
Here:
6,49
